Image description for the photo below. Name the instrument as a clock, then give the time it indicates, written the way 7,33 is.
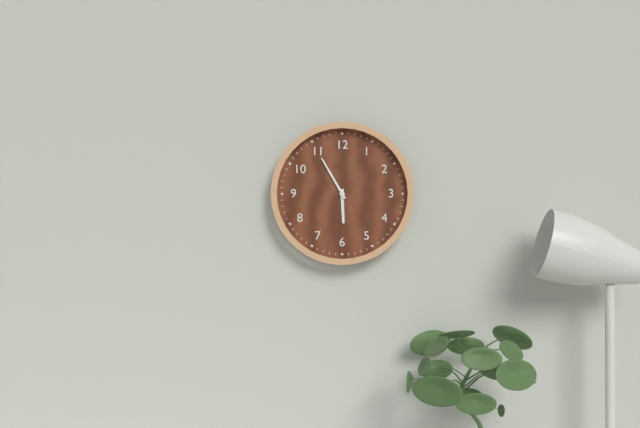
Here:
5,55
